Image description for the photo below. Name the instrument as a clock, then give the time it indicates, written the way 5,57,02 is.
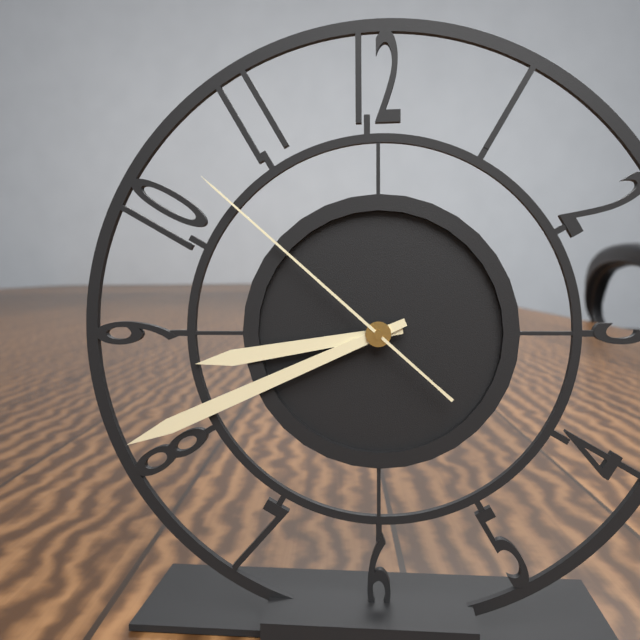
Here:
8,41,52
